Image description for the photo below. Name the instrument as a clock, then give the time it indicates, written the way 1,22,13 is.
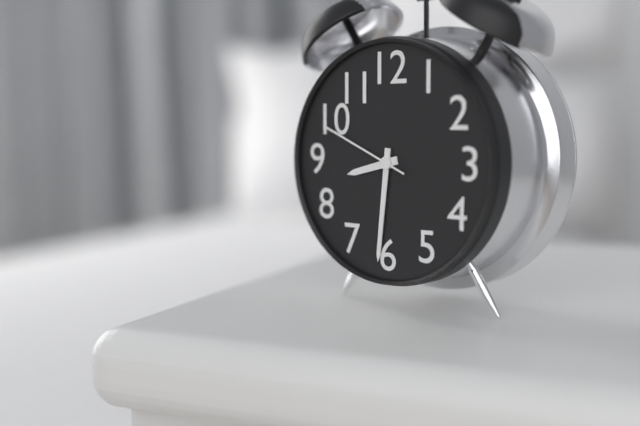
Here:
8,31,49
